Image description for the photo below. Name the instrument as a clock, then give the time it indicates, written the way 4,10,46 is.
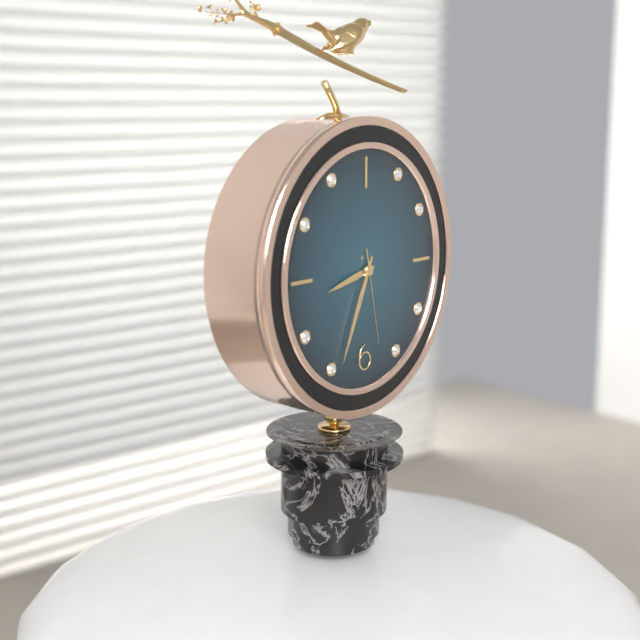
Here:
8,34,28
